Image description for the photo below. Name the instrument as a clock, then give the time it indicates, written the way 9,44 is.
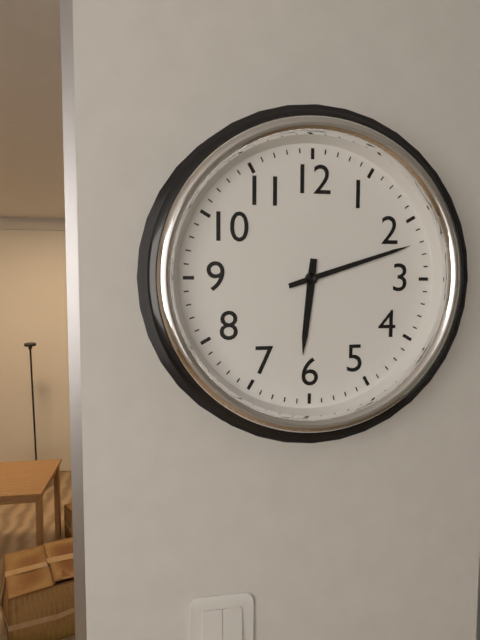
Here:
6,12
